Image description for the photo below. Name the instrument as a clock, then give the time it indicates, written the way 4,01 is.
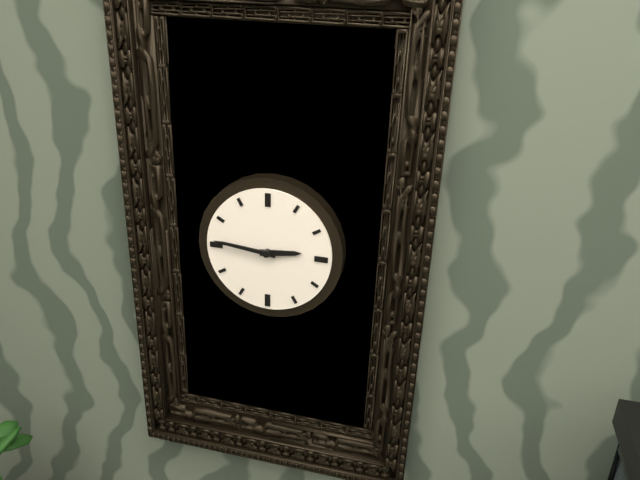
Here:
2,46
